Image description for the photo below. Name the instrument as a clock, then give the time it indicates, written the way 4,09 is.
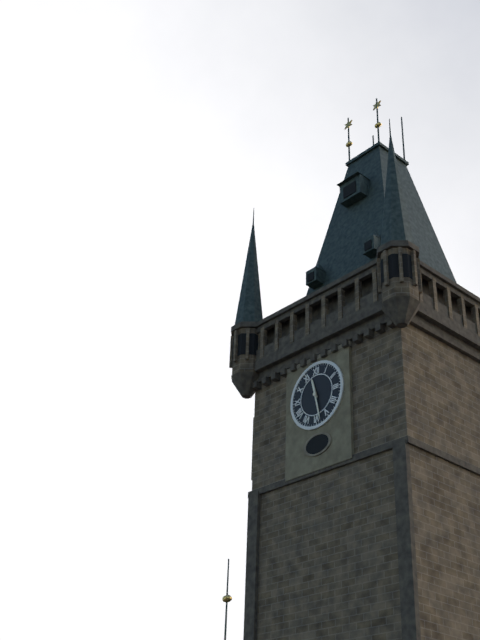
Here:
11,28
